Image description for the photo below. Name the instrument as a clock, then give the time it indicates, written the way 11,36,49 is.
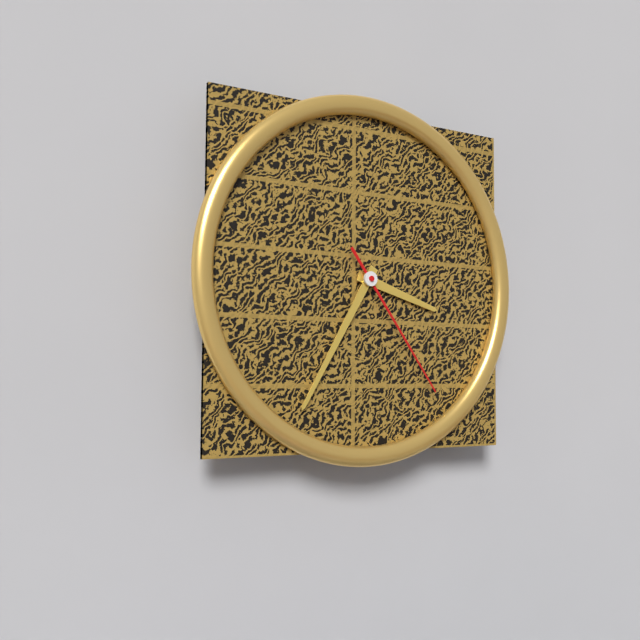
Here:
3,35,24
